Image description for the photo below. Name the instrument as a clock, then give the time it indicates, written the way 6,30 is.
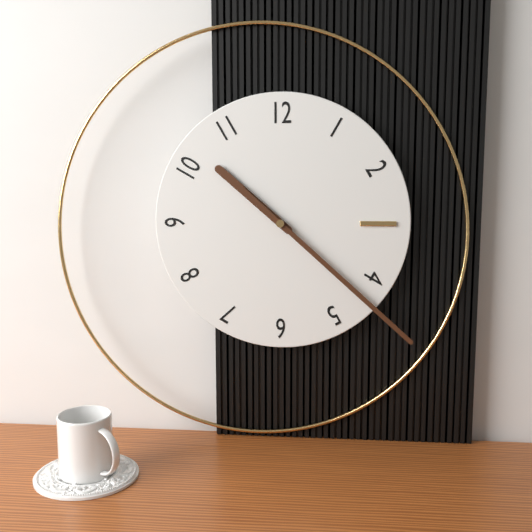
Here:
10,22
